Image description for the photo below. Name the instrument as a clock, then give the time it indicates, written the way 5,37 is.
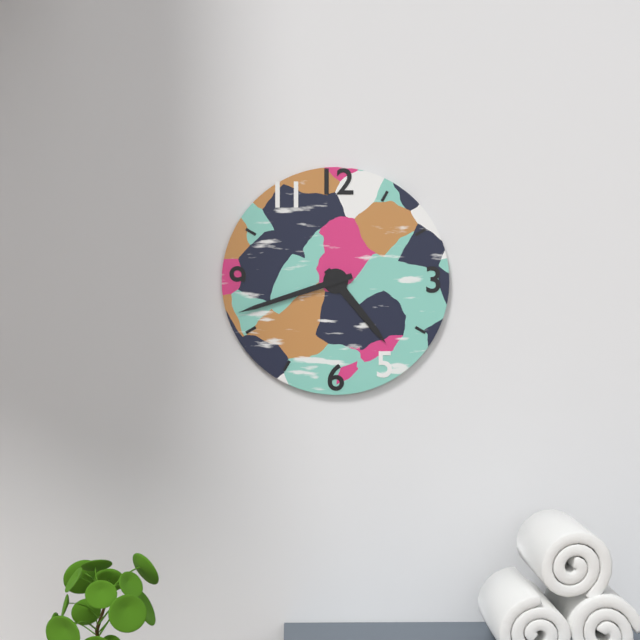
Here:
4,42
